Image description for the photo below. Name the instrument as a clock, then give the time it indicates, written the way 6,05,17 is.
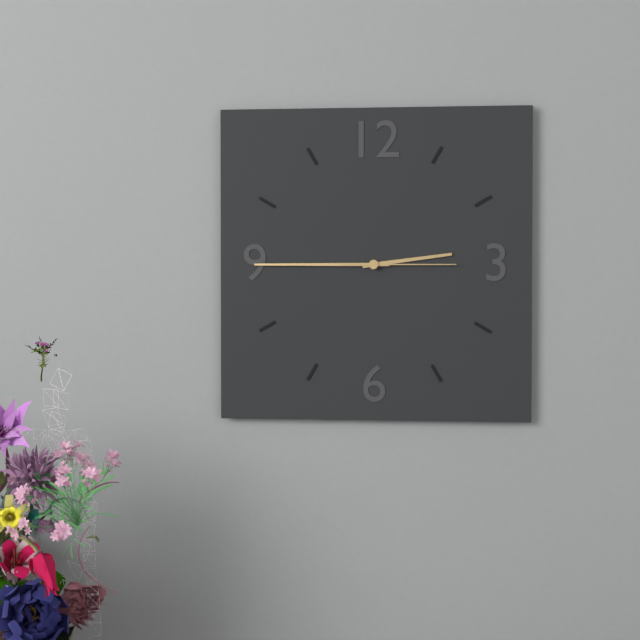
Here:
2,45,15
